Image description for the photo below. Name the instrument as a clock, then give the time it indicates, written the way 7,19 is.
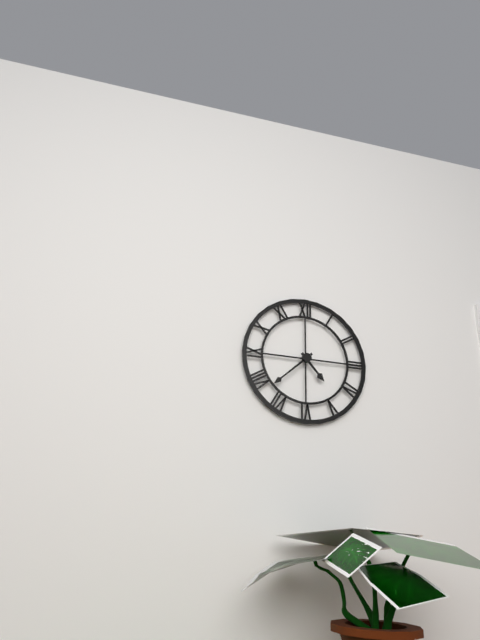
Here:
4,38
